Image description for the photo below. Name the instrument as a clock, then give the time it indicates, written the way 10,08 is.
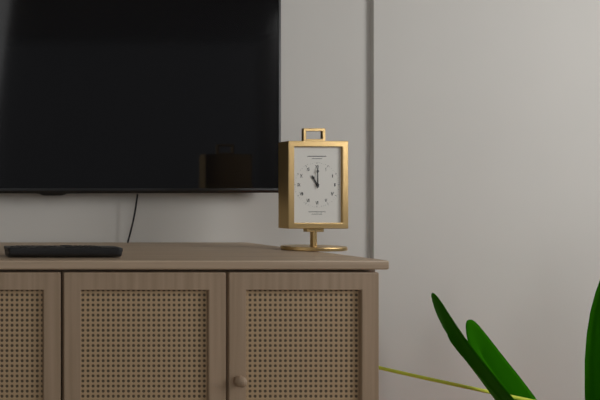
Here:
11,00
